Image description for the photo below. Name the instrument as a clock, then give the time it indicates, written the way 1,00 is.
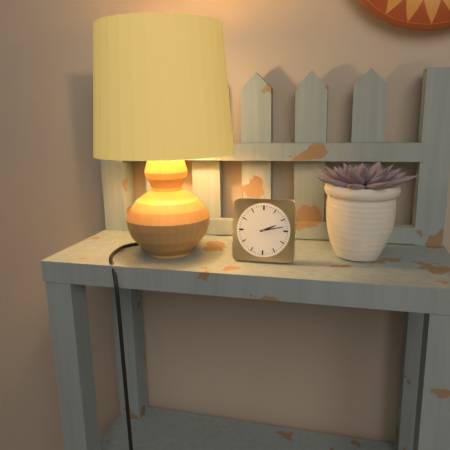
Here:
2,13
